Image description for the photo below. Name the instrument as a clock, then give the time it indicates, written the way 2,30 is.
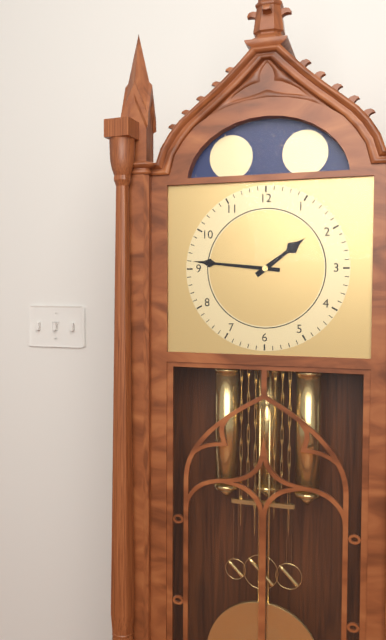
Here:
1,46
